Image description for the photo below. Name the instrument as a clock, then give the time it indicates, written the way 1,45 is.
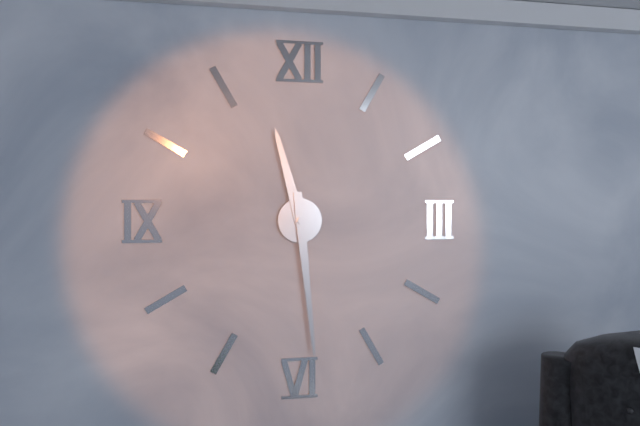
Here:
11,29
